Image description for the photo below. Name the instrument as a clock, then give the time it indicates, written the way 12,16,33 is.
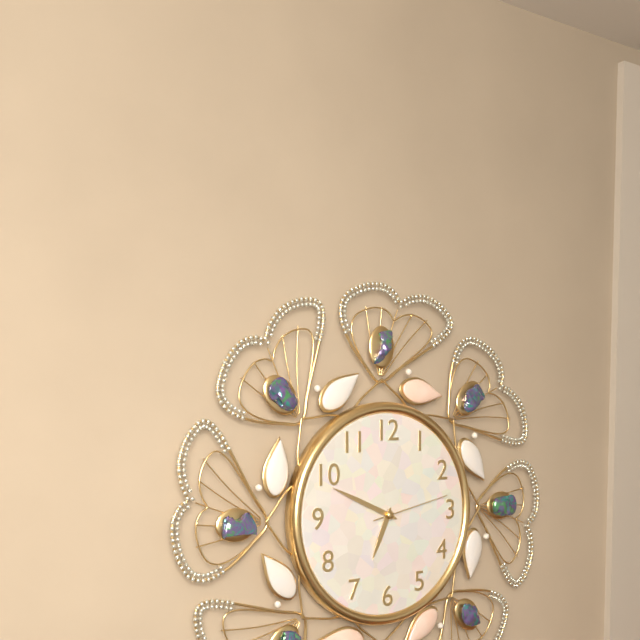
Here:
6,49,13
